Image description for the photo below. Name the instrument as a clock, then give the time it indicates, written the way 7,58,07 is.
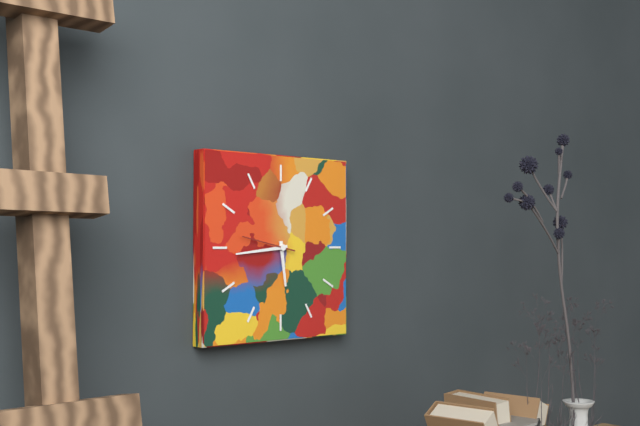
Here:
5,44,47
